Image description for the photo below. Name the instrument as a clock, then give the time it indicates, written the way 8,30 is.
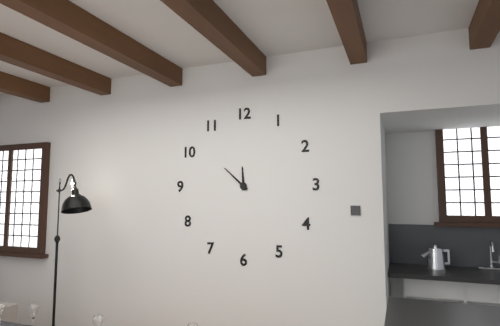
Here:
11,52
